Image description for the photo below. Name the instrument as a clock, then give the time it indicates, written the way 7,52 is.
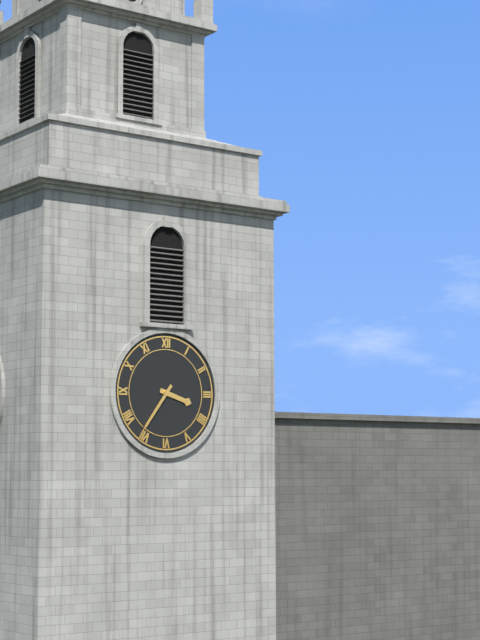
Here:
3,36
